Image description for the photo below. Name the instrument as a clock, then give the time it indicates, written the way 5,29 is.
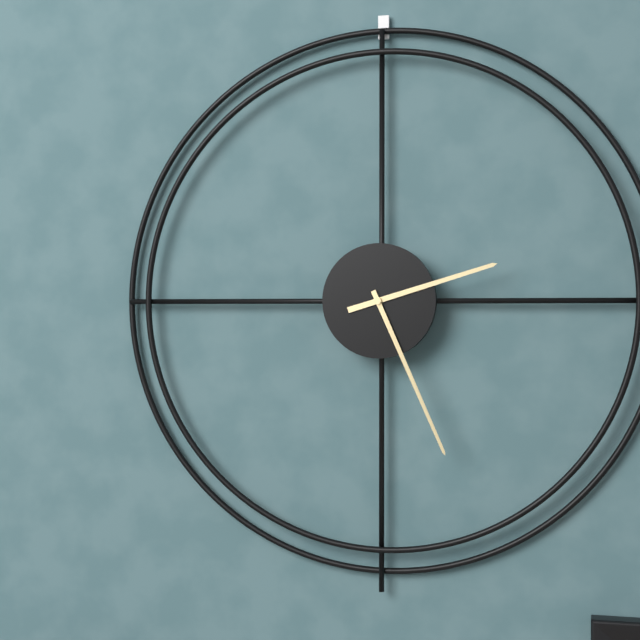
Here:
2,26
